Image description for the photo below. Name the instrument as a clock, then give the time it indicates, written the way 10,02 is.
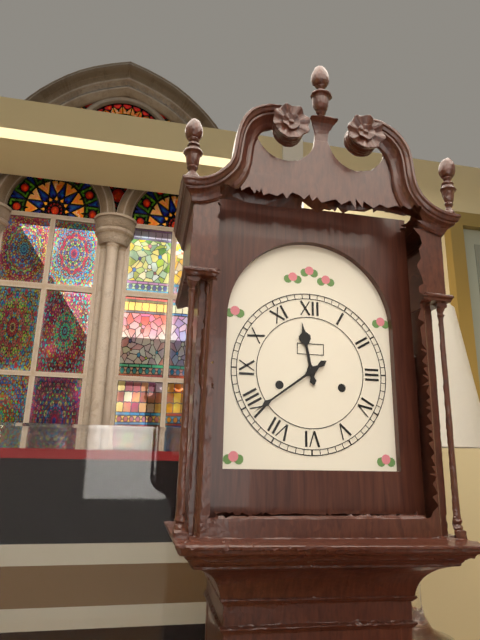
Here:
11,39
